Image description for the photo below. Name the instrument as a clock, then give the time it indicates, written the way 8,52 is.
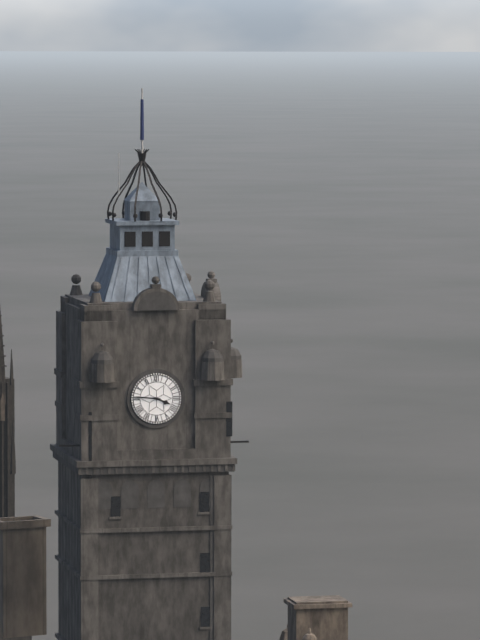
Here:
3,46
